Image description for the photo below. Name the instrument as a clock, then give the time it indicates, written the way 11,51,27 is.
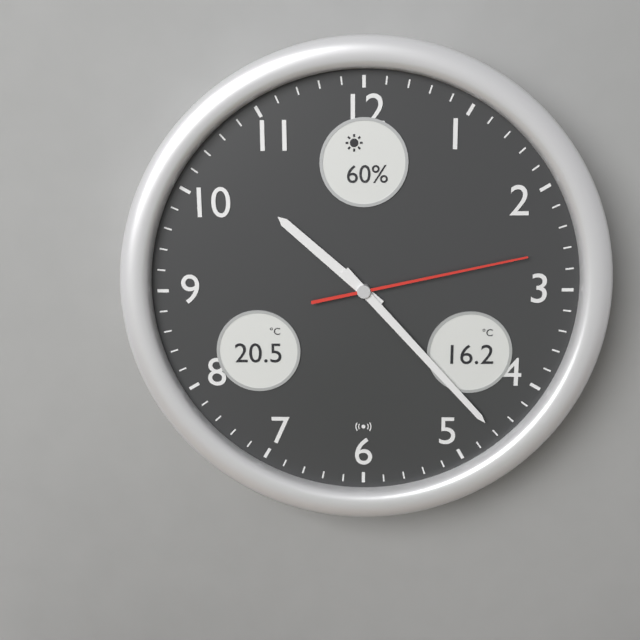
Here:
10,23,13
